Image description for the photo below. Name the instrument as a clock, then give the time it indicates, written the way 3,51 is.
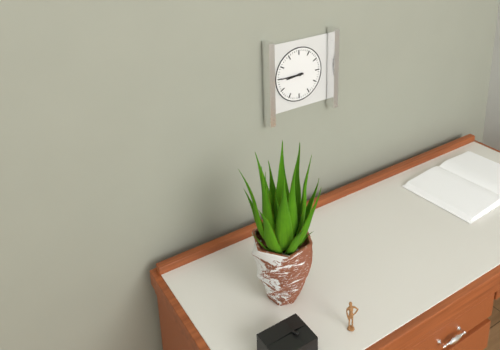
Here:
8,45
